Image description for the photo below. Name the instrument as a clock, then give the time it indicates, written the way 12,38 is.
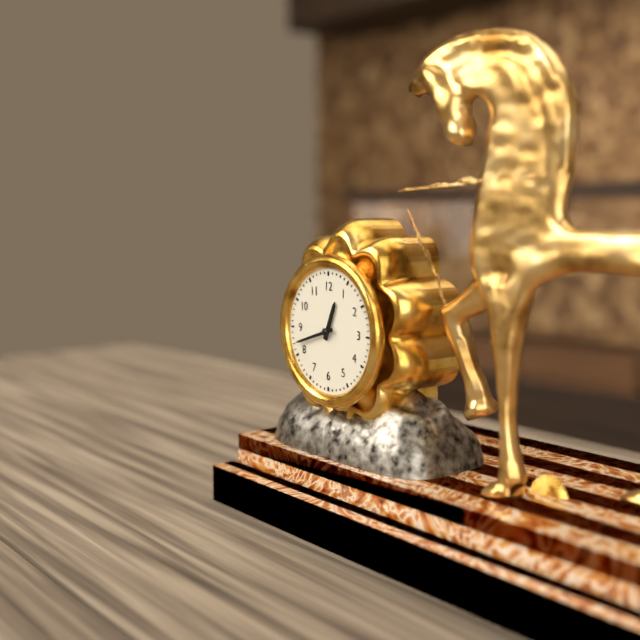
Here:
12,42
